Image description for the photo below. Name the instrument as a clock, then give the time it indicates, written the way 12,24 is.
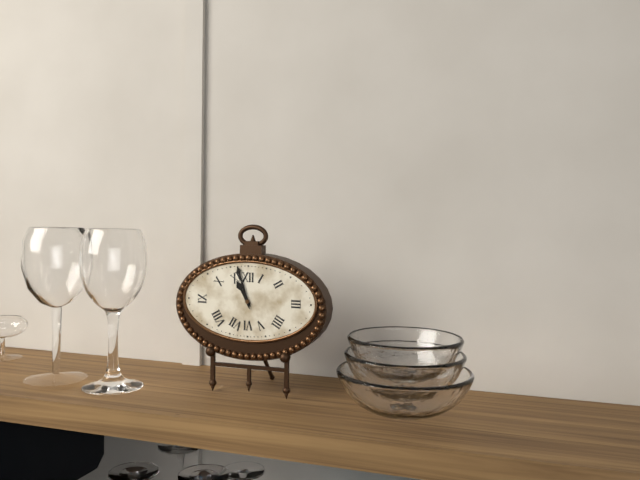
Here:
10,57
